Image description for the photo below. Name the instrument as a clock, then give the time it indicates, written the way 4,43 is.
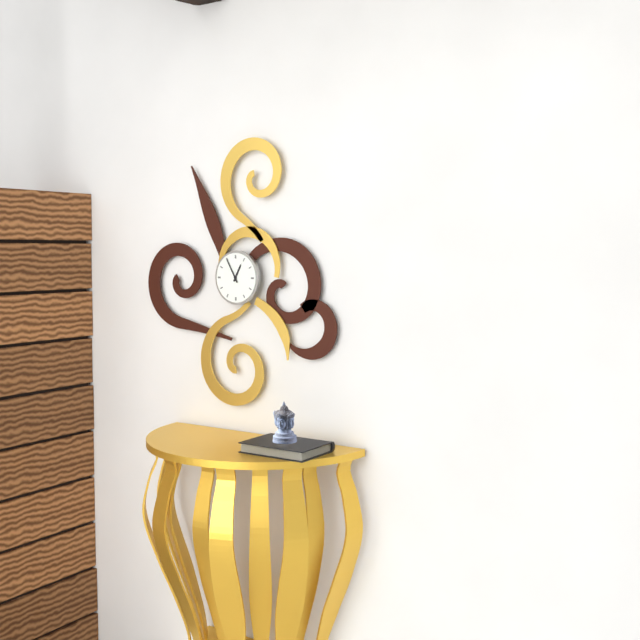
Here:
12,55
